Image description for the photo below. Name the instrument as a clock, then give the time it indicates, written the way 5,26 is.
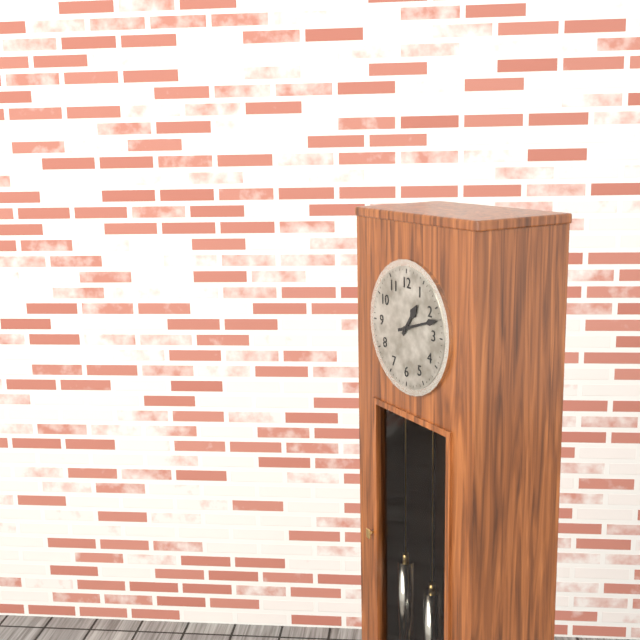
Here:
1,12
